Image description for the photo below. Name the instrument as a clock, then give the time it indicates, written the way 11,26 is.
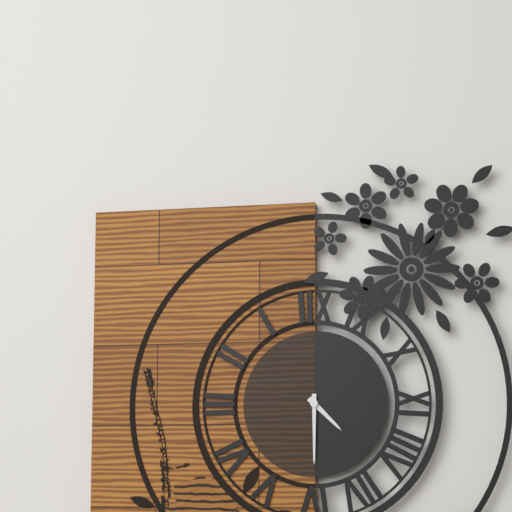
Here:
4,30
